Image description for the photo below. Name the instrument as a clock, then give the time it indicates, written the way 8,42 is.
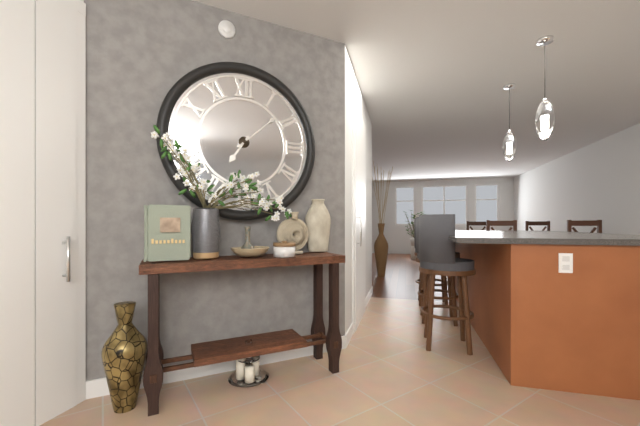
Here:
7,08
